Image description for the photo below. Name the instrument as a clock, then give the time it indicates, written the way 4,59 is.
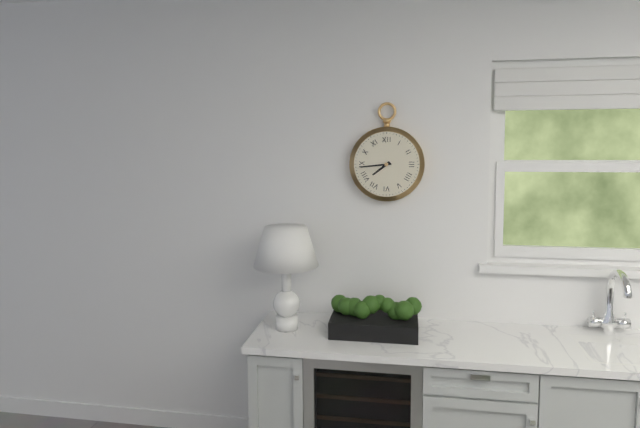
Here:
7,44
